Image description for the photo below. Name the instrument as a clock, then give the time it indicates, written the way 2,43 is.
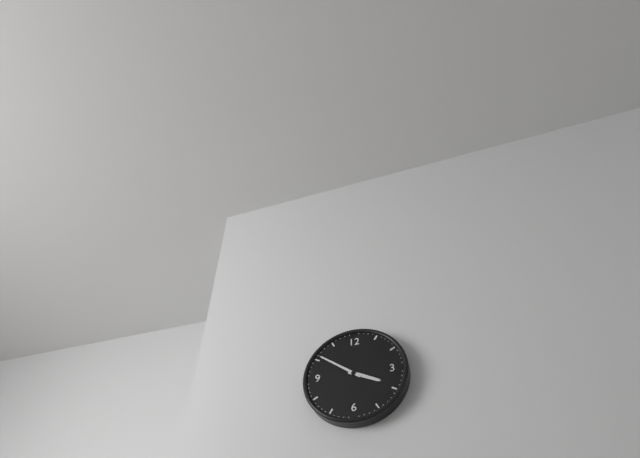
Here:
3,51
